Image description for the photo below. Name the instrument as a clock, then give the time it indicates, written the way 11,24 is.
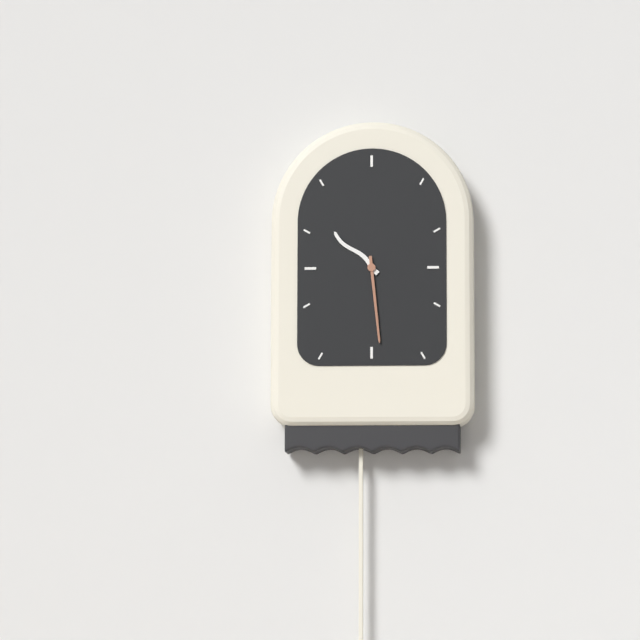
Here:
10,29
